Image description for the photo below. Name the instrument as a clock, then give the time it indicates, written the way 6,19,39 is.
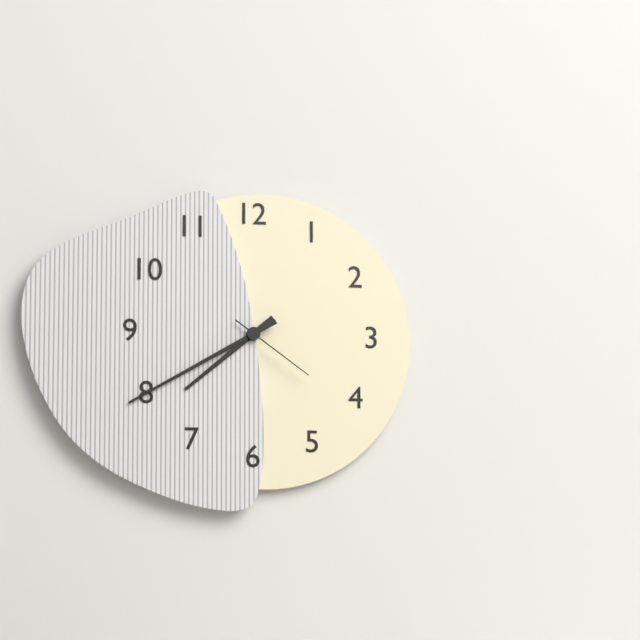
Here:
7,40,21
